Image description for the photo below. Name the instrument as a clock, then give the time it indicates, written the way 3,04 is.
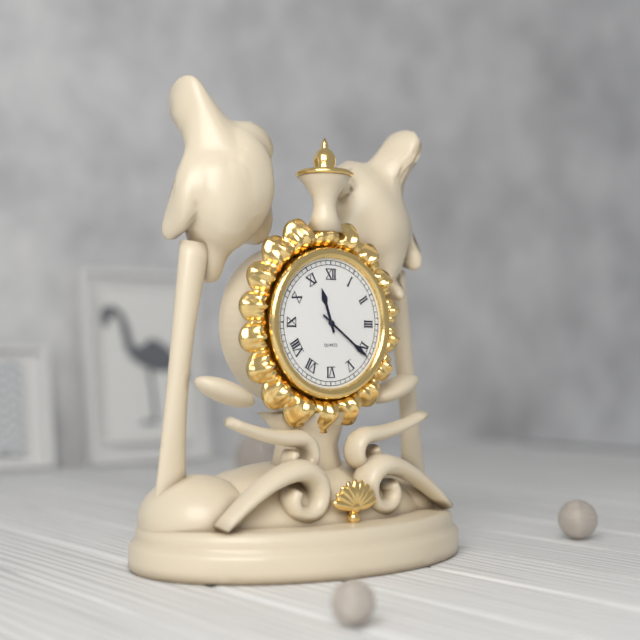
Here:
11,21
